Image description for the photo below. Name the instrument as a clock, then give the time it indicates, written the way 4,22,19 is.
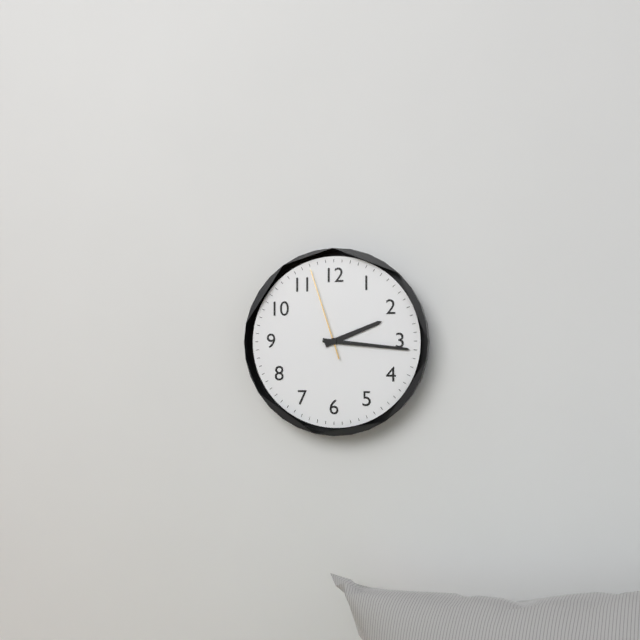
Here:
2,16,57
